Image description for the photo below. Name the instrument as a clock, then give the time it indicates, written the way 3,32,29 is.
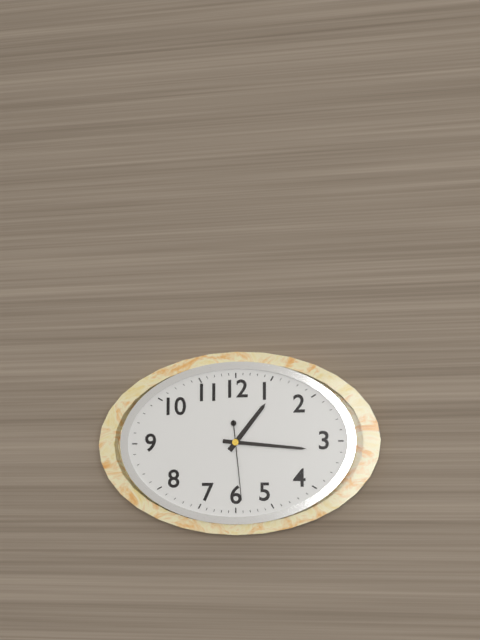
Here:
1,16,29
